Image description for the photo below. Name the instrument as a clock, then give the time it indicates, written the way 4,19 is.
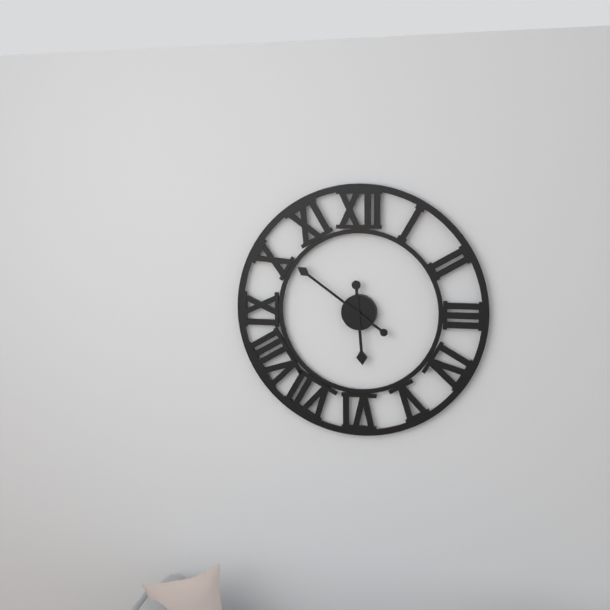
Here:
5,51
